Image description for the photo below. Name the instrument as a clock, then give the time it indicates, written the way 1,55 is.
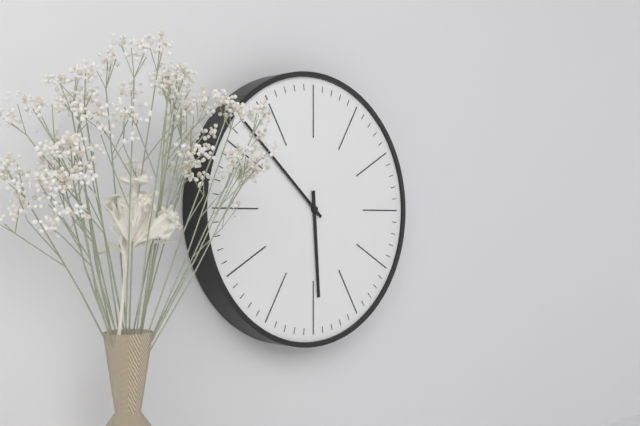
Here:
5,52
